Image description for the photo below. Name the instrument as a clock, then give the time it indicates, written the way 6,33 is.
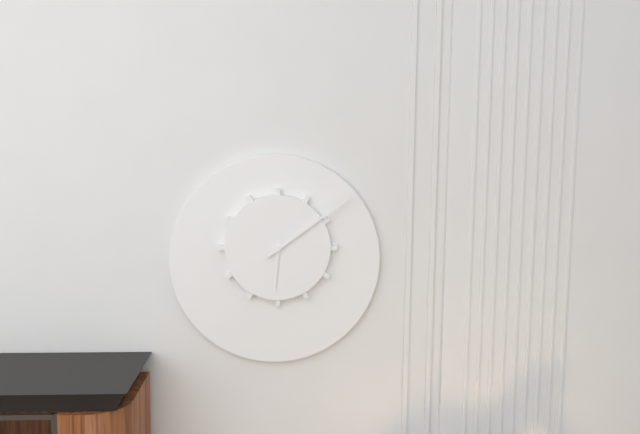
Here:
6,09
